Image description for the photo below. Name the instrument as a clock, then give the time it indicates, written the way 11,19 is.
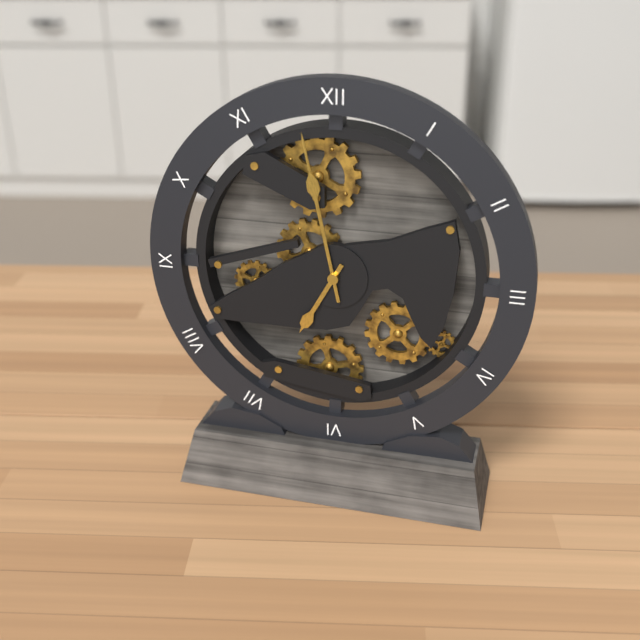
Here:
6,58
